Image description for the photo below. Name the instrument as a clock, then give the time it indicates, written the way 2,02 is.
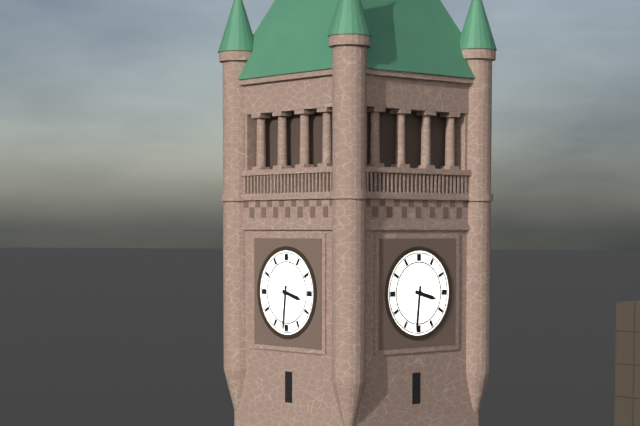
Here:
3,31
